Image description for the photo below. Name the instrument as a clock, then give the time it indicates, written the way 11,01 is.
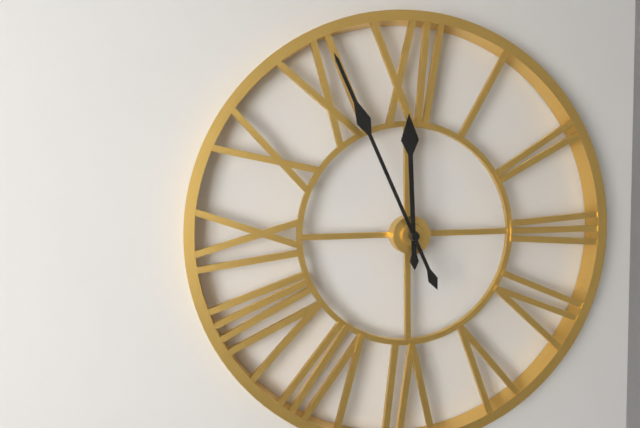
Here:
11,56
